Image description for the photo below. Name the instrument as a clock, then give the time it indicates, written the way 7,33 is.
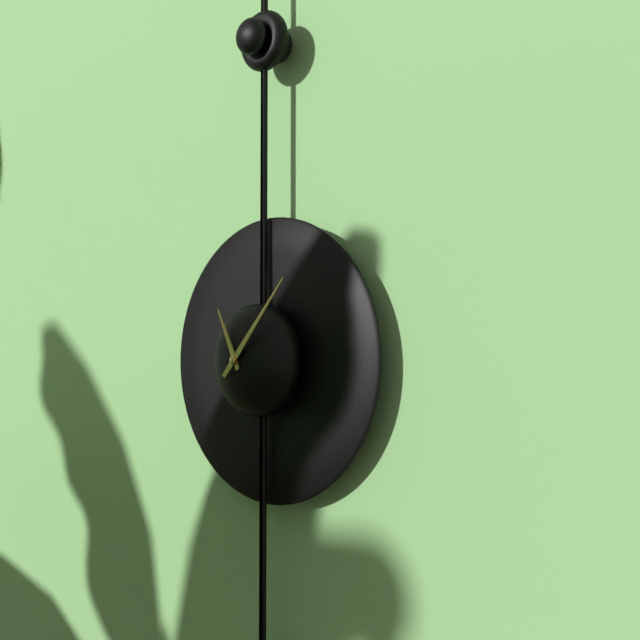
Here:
11,07
